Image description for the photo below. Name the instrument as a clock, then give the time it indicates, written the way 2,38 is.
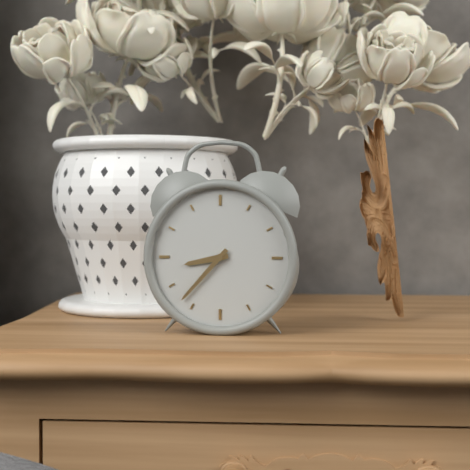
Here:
8,37
